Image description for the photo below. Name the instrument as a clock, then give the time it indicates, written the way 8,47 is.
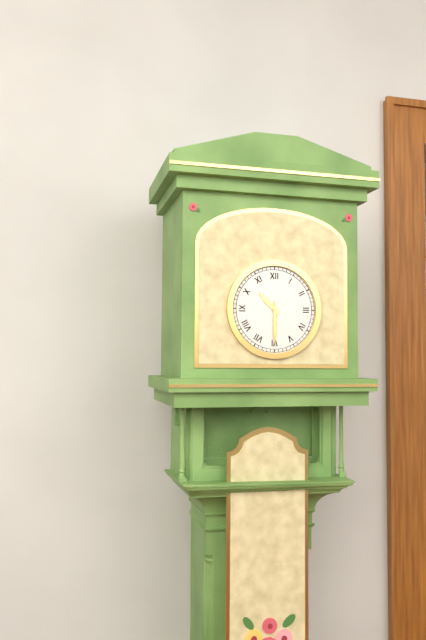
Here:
10,30
